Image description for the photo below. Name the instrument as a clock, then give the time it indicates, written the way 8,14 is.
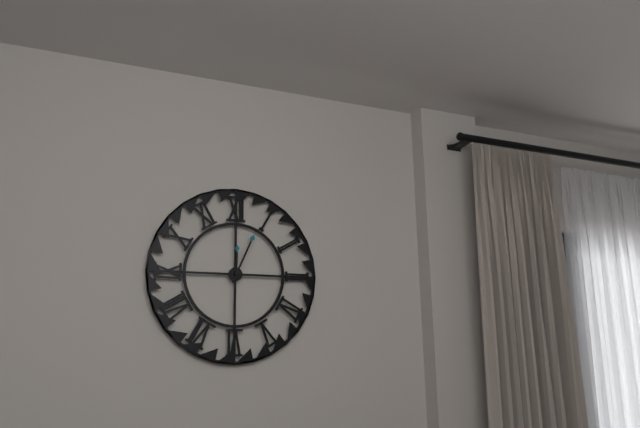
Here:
12,04
